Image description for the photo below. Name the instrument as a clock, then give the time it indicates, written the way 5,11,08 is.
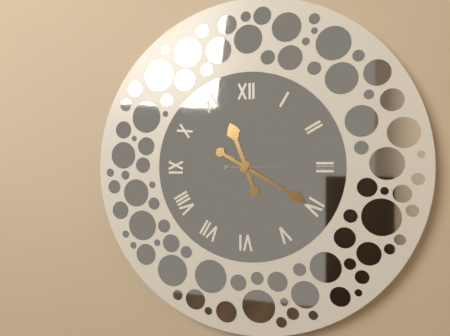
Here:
11,20,15
